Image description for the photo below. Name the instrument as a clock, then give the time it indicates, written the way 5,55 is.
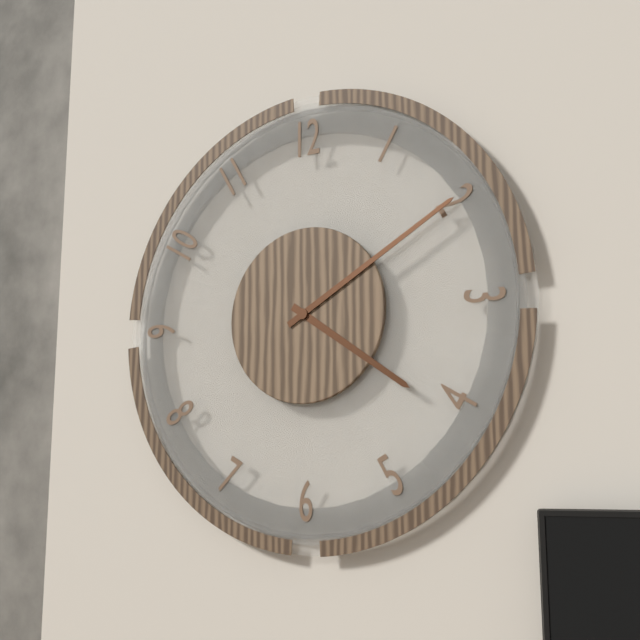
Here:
4,10
